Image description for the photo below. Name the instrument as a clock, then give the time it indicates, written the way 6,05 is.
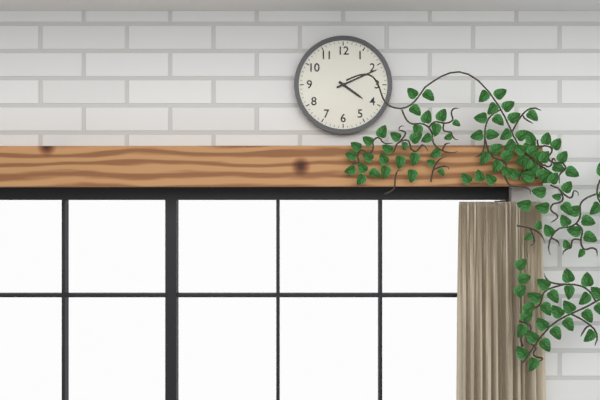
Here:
4,11
